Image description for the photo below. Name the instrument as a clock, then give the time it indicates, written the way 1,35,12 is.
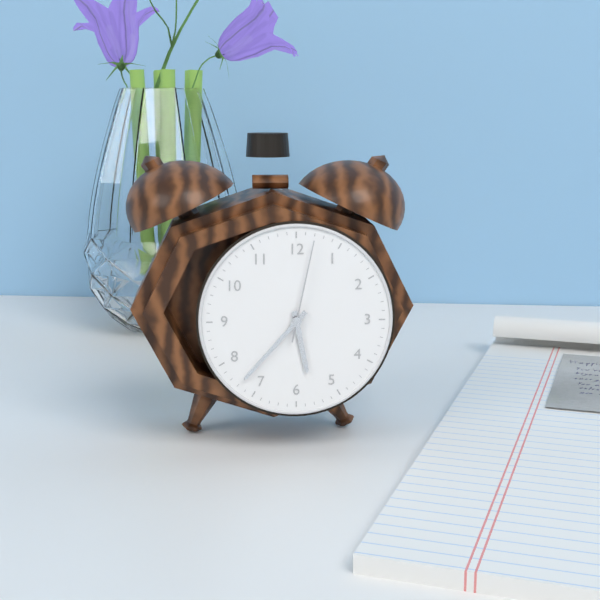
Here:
5,37,02
